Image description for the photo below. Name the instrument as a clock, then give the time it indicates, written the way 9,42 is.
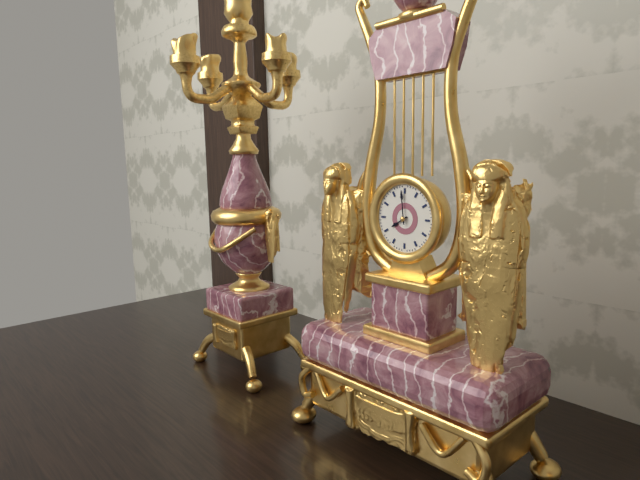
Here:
7,59
